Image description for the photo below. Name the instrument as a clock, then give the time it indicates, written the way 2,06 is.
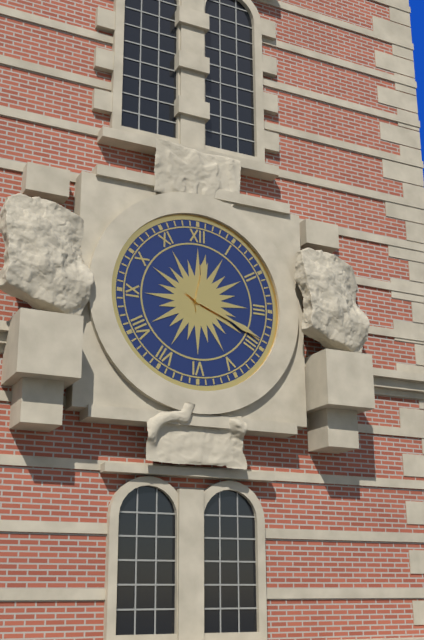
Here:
12,19
